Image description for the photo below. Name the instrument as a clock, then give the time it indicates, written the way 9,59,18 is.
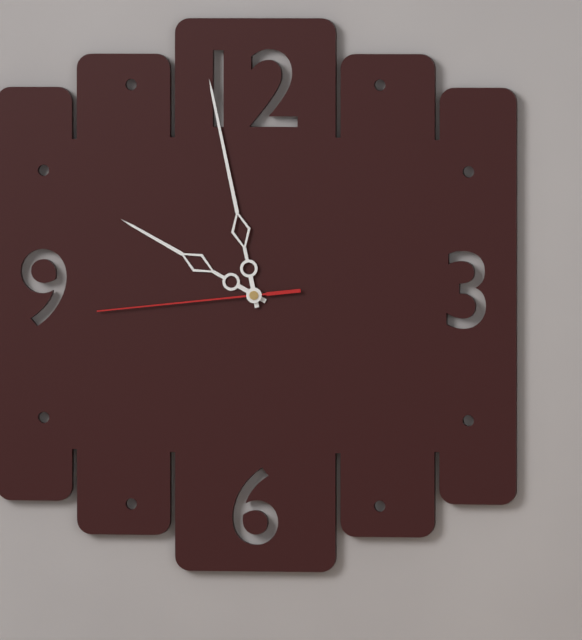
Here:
9,58,44
